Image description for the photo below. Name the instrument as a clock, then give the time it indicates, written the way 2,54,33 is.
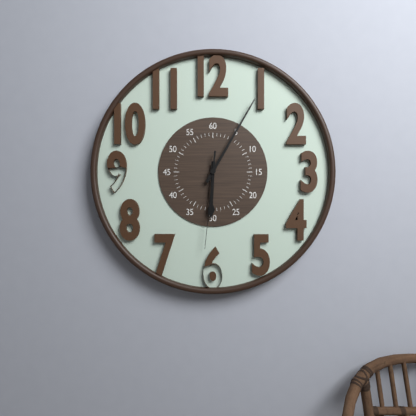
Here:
6,05,31
